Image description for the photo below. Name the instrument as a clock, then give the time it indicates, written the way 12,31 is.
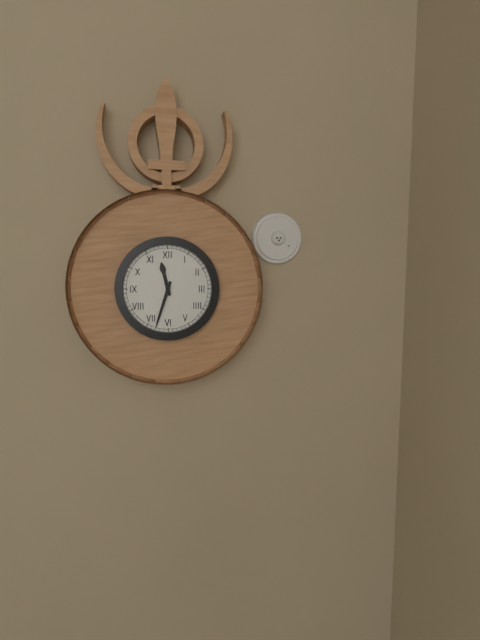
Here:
11,33
